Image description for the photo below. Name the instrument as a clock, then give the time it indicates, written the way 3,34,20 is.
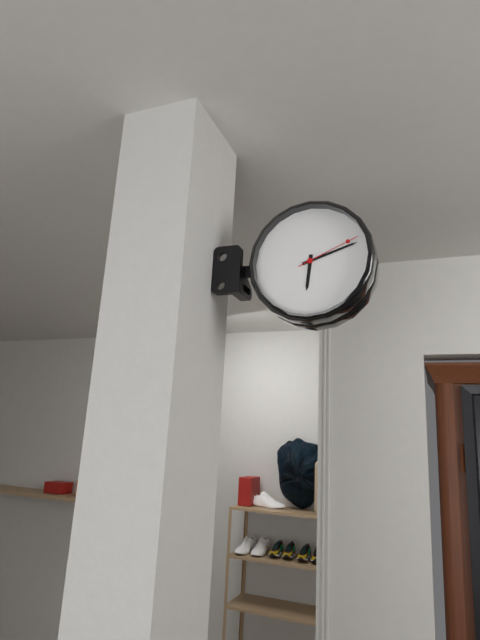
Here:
6,12,11
